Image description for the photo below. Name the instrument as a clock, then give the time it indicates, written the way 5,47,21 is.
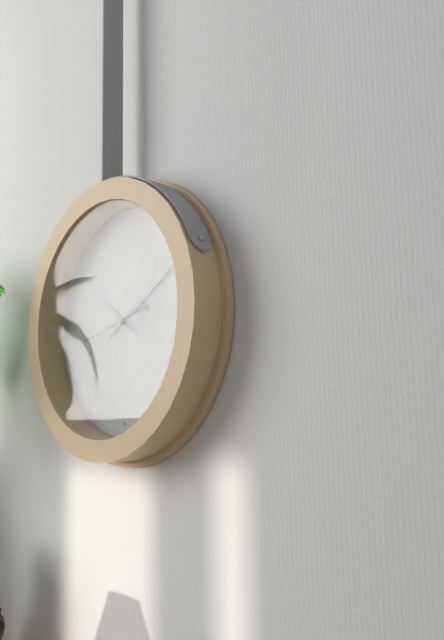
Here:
10,10,43
